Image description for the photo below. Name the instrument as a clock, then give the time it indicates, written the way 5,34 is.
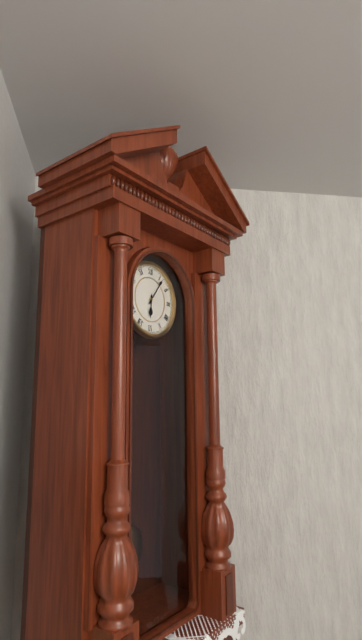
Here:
6,06
